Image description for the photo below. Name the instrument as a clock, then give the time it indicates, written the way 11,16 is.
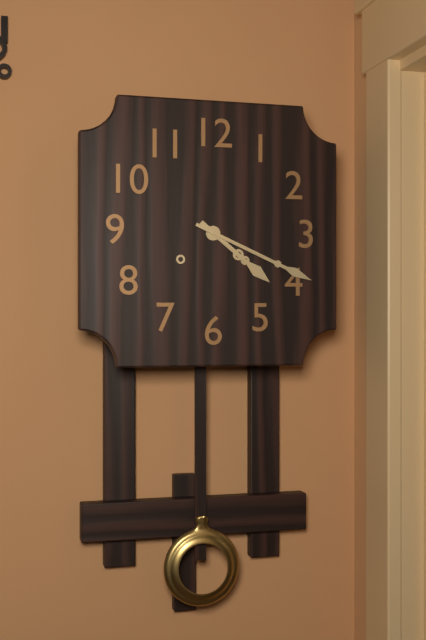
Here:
4,19
